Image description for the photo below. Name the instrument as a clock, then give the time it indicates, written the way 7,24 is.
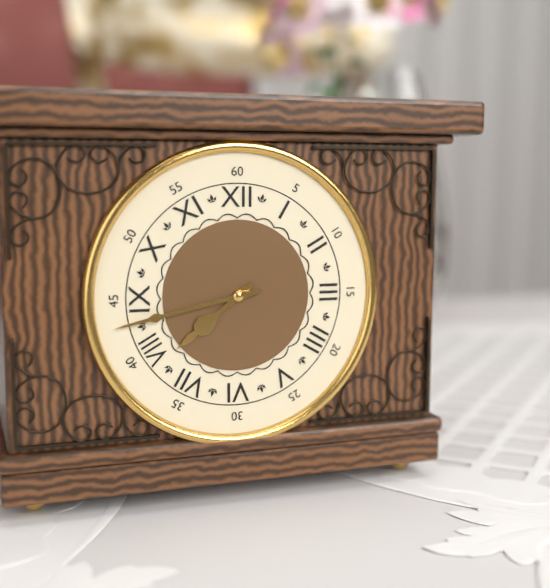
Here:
7,43
